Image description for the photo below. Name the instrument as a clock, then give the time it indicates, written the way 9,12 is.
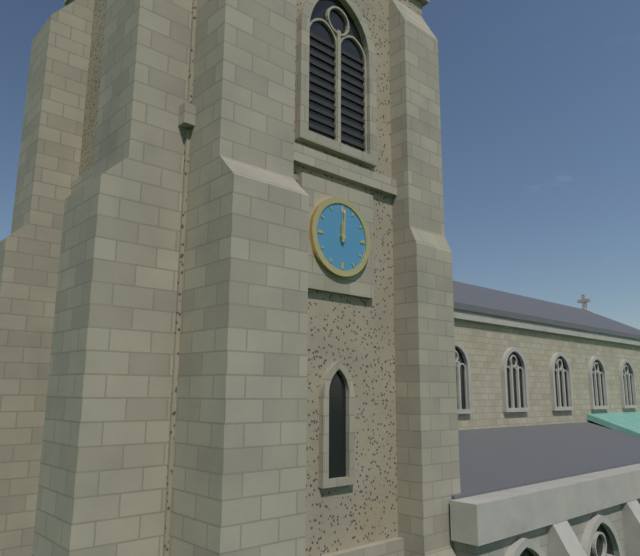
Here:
12,01
